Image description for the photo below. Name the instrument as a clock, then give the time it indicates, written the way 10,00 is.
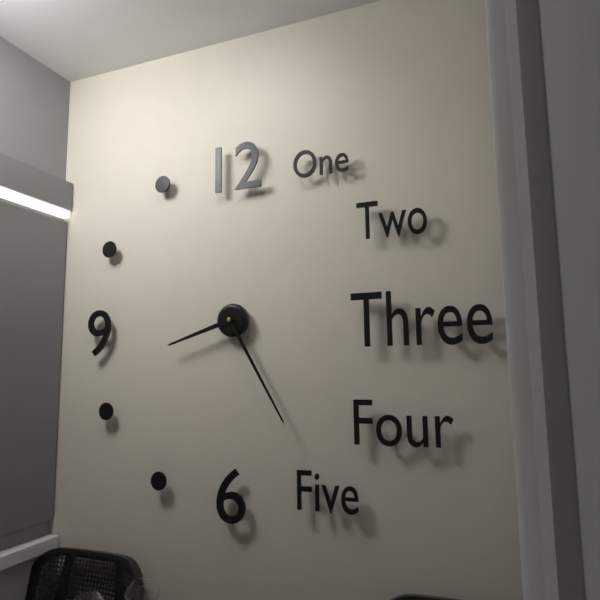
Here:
8,25
